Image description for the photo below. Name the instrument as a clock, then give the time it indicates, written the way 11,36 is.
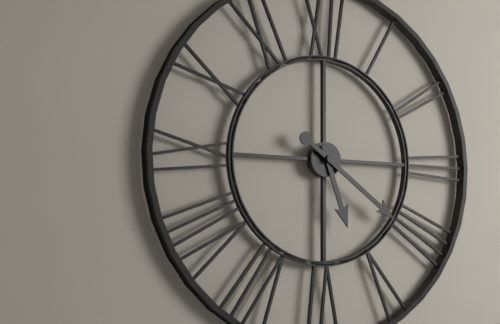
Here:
5,21
